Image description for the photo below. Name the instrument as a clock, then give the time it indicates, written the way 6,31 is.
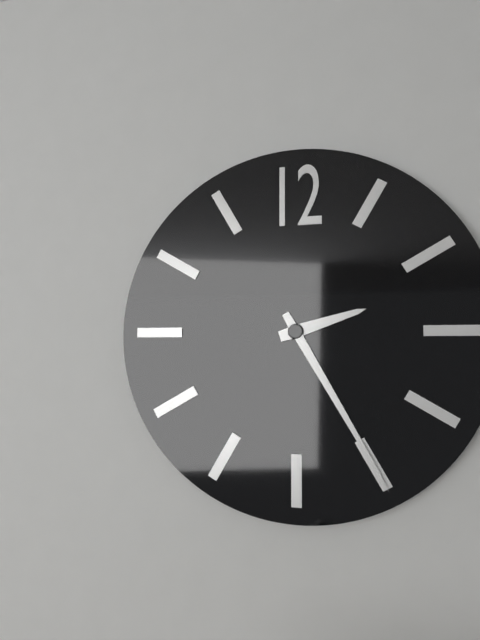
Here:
2,25
